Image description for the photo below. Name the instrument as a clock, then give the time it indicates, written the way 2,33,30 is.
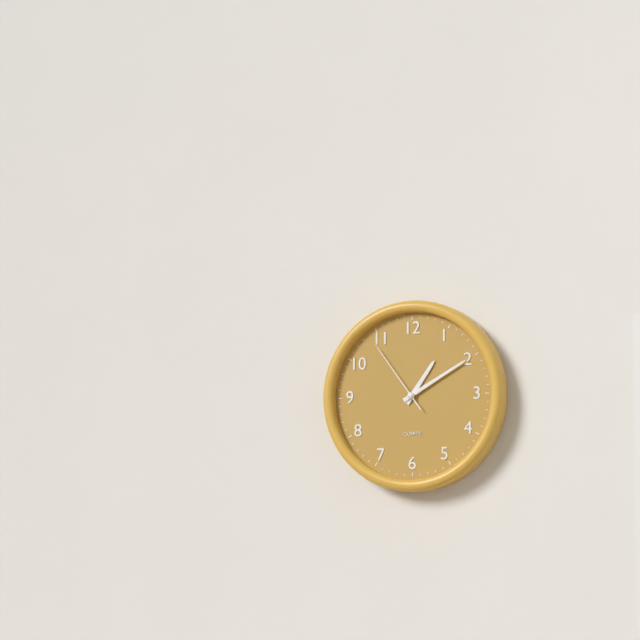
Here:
1,10,54
